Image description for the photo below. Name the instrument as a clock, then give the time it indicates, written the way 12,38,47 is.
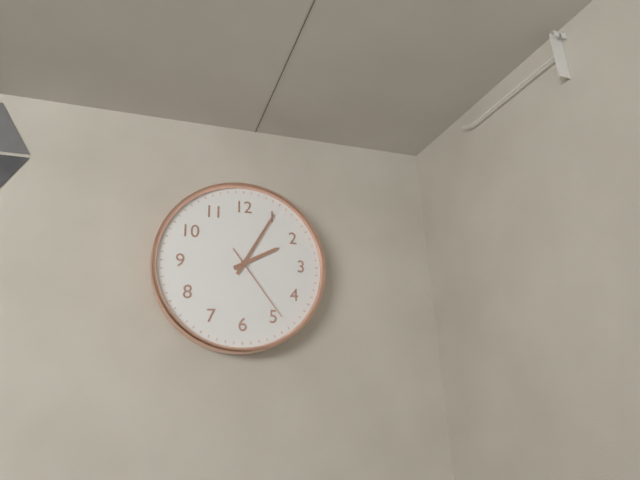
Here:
2,05,24
